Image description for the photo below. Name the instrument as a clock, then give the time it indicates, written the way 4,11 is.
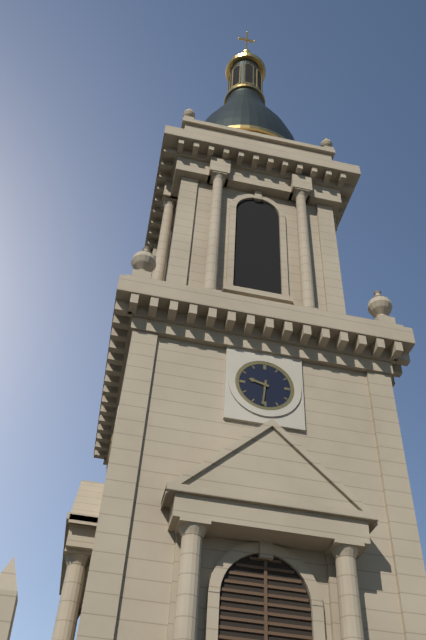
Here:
9,31
